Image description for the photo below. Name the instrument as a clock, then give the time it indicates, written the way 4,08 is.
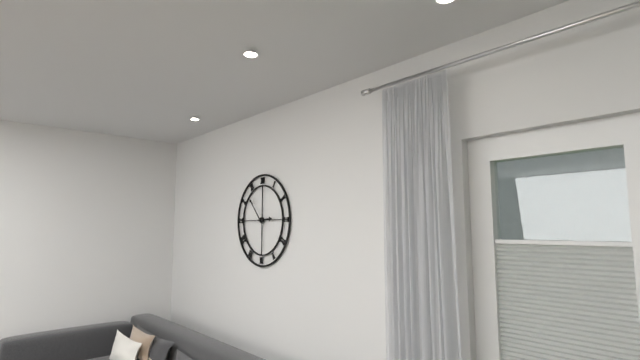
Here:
2,53
